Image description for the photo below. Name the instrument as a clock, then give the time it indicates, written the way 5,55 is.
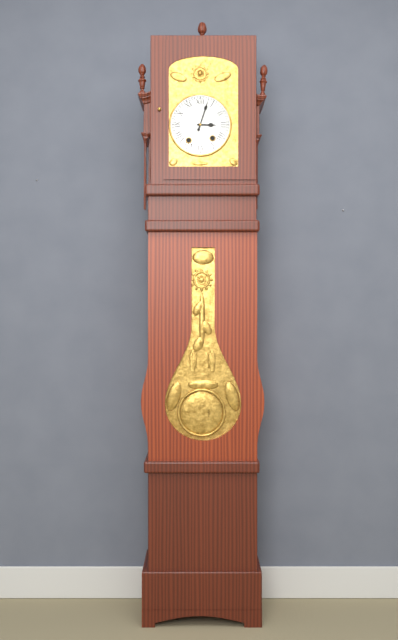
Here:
3,03
